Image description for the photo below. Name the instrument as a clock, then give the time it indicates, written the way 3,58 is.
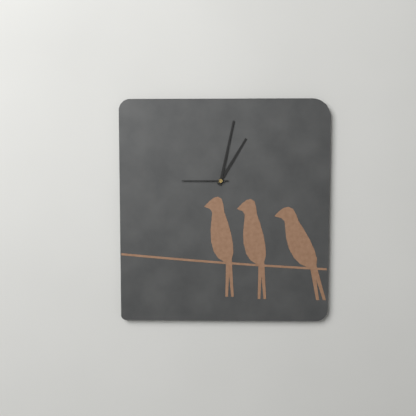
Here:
1,02
